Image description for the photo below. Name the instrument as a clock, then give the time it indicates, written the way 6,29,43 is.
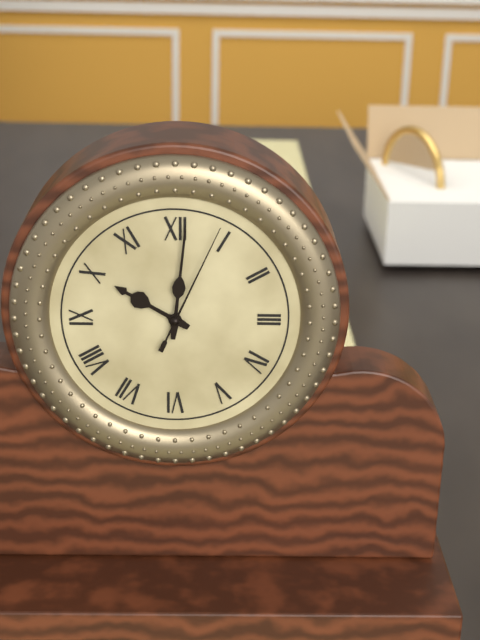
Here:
10,01,04
